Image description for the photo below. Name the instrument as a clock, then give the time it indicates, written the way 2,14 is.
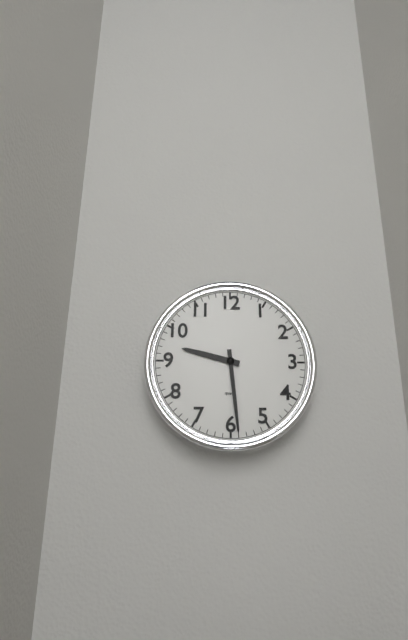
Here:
9,29
